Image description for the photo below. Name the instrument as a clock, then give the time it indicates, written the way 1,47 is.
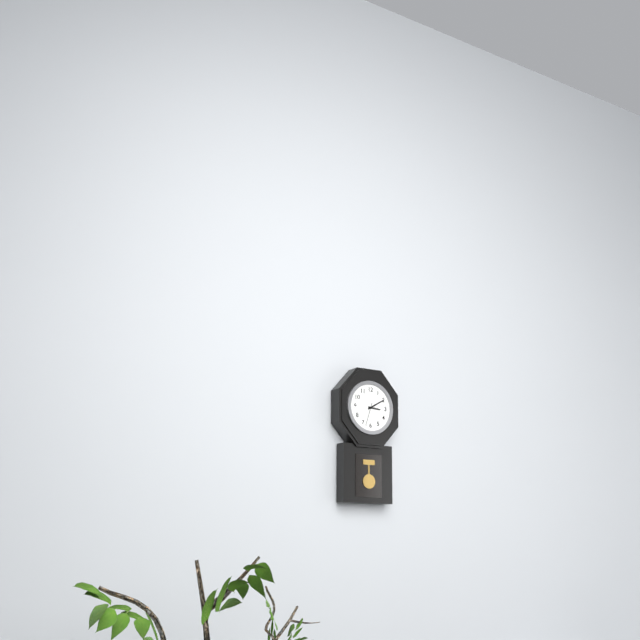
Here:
3,10
